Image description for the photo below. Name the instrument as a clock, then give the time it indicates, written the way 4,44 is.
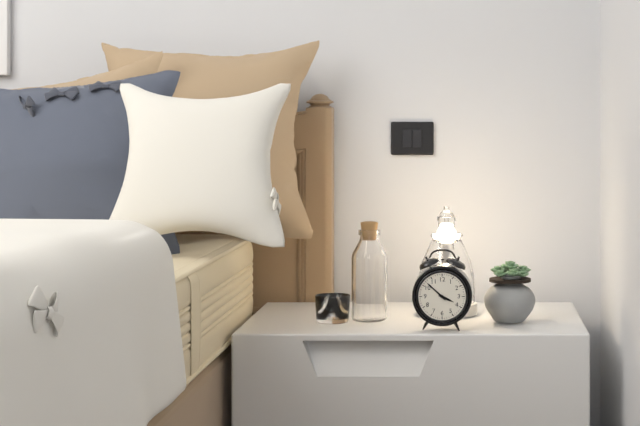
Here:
3,52
